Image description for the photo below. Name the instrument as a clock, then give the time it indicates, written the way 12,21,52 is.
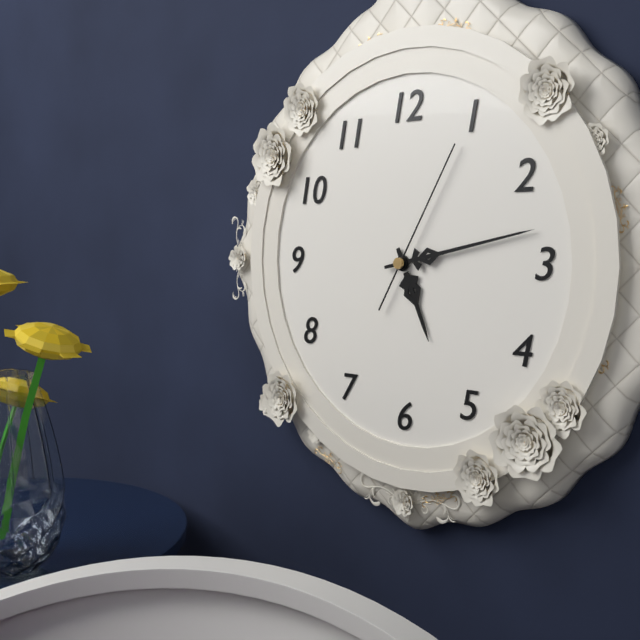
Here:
5,13,05
